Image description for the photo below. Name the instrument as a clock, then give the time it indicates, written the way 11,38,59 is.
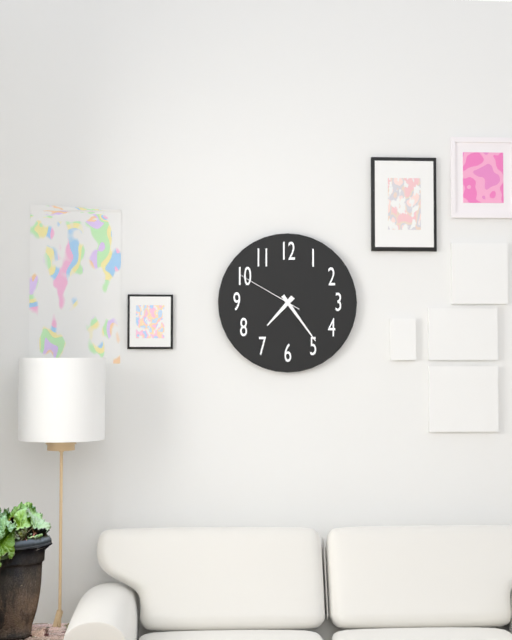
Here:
7,24,50
